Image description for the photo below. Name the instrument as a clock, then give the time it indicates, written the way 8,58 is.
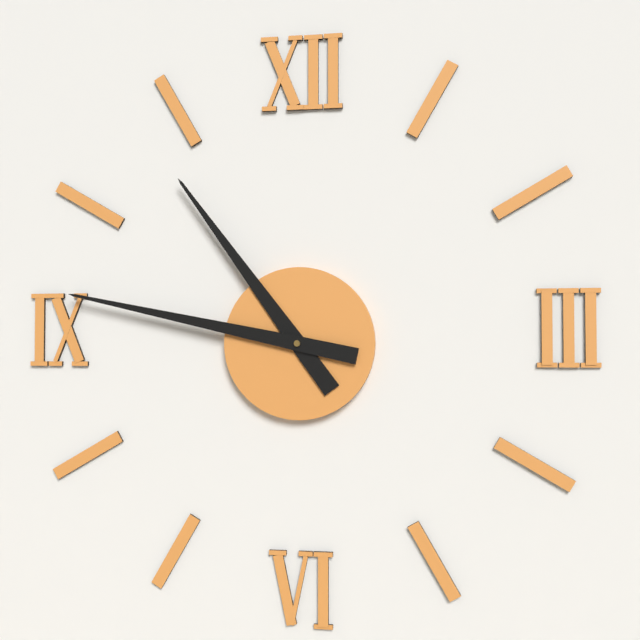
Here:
10,47
